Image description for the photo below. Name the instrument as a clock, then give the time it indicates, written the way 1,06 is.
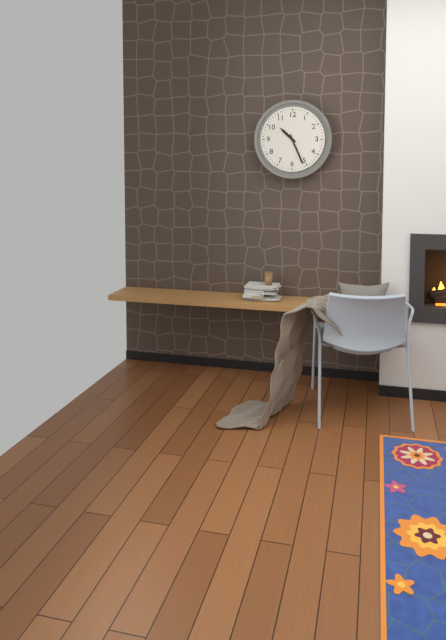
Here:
10,26
